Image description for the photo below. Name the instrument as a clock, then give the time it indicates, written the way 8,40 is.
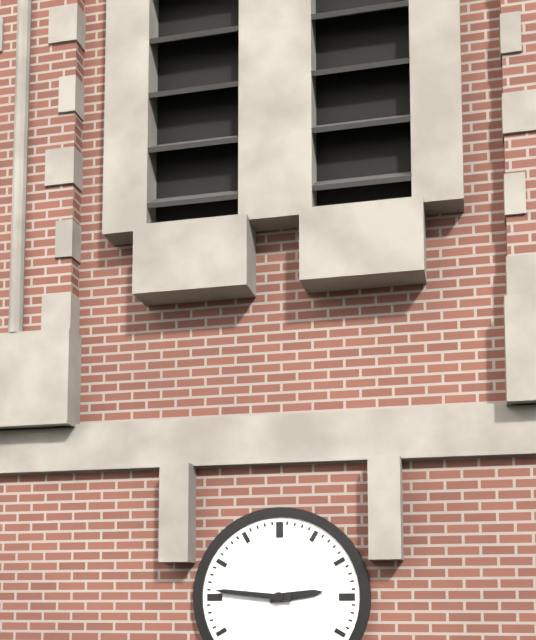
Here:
2,46
